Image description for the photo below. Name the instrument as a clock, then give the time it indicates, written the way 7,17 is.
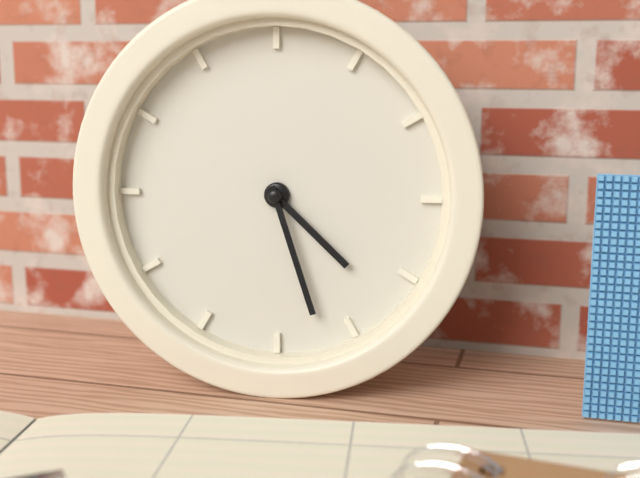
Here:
4,27
